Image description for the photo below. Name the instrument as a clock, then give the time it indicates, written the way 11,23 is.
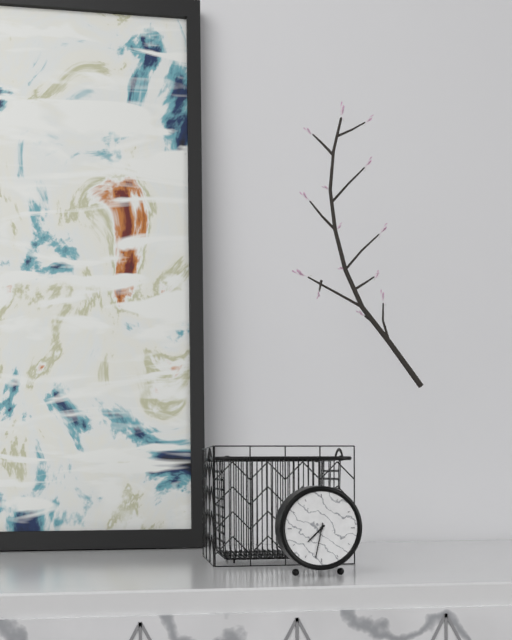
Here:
7,32
